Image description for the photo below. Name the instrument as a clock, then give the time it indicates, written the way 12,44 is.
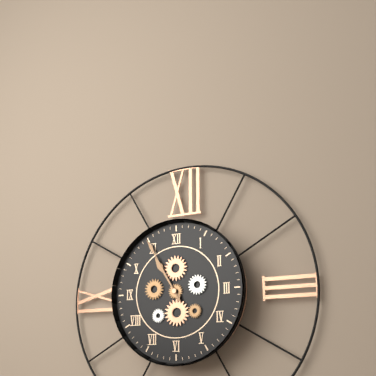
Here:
10,55
